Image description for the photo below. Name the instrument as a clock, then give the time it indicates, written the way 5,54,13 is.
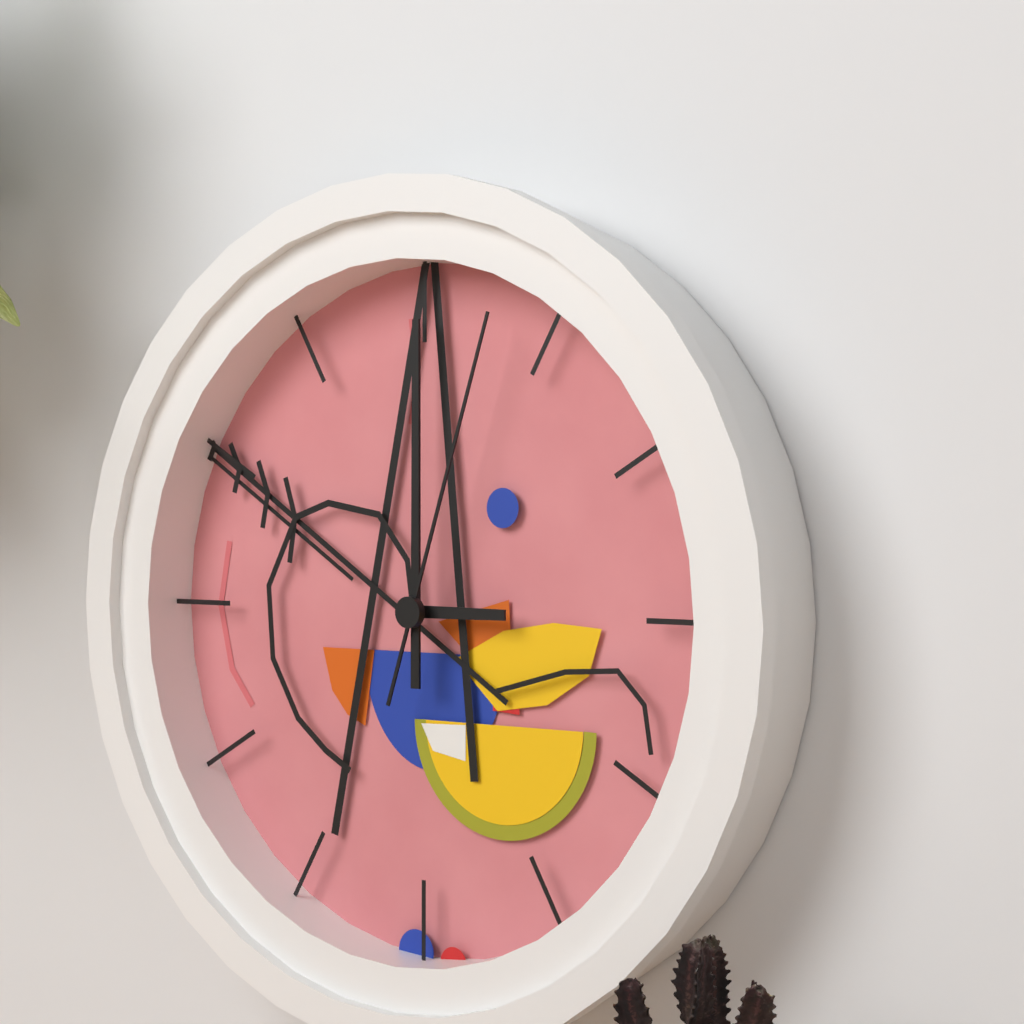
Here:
3,00,03
